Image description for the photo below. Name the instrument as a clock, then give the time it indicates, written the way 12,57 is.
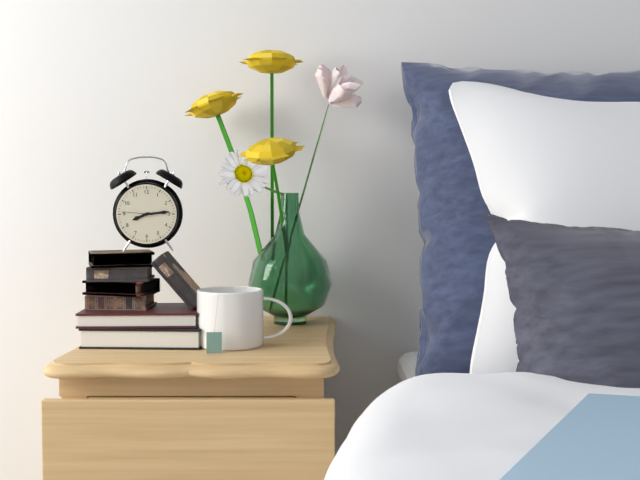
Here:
8,14
